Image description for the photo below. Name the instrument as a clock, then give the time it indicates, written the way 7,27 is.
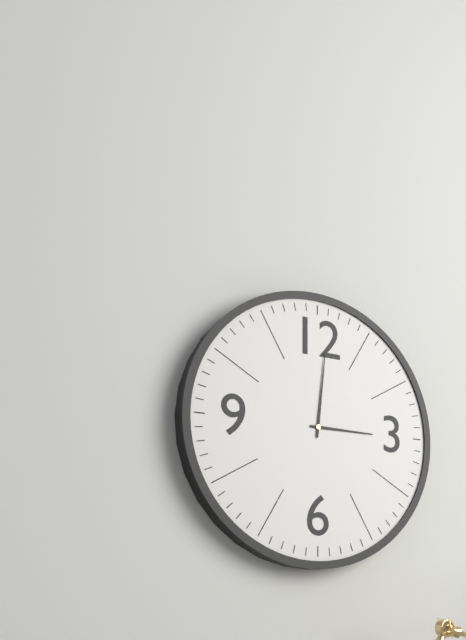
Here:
3,01
